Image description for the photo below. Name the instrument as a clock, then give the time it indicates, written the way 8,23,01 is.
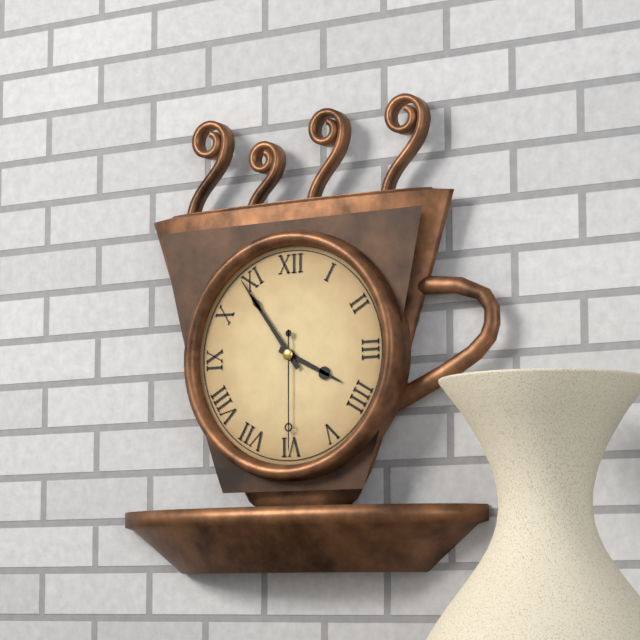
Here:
3,54,30
